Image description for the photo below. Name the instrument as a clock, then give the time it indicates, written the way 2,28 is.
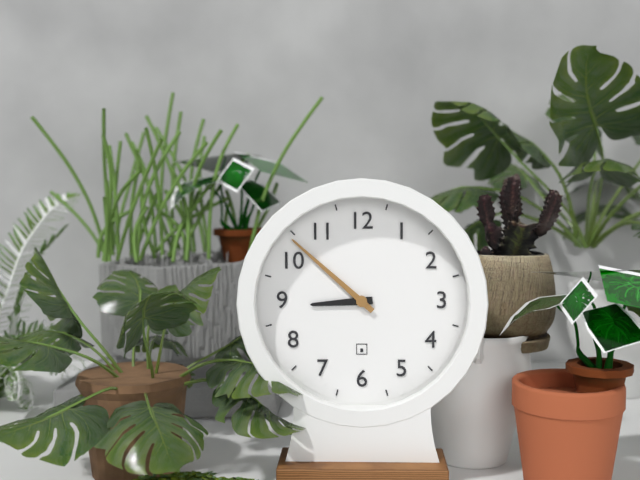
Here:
8,52
